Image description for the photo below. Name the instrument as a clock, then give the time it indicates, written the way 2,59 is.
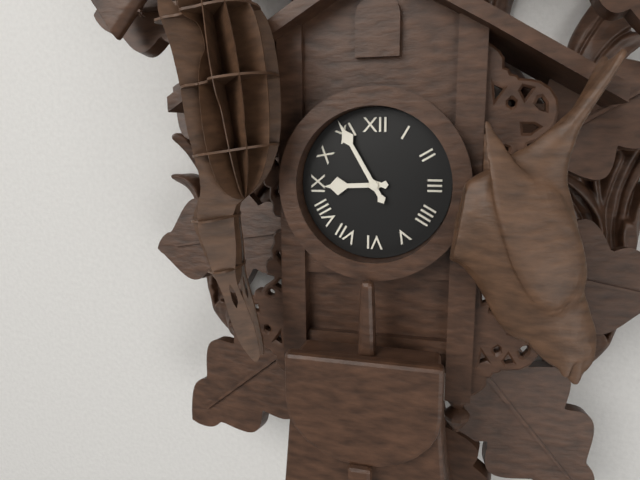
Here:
8,55
